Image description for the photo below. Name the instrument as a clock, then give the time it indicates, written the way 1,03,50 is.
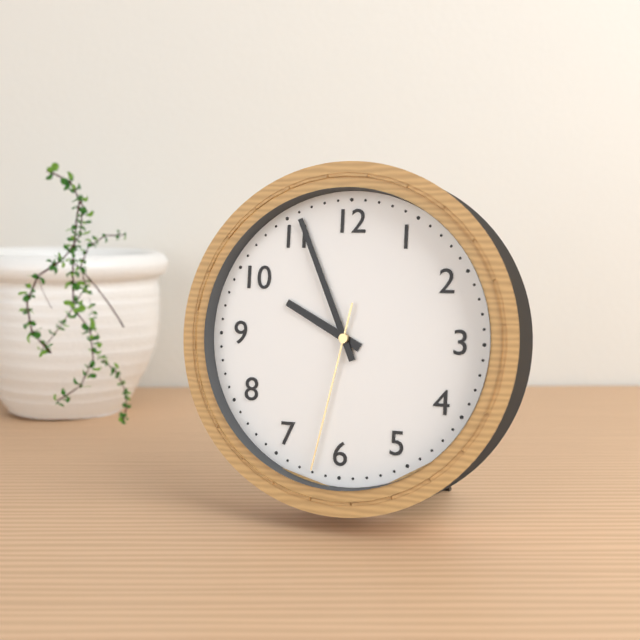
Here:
9,56,32
